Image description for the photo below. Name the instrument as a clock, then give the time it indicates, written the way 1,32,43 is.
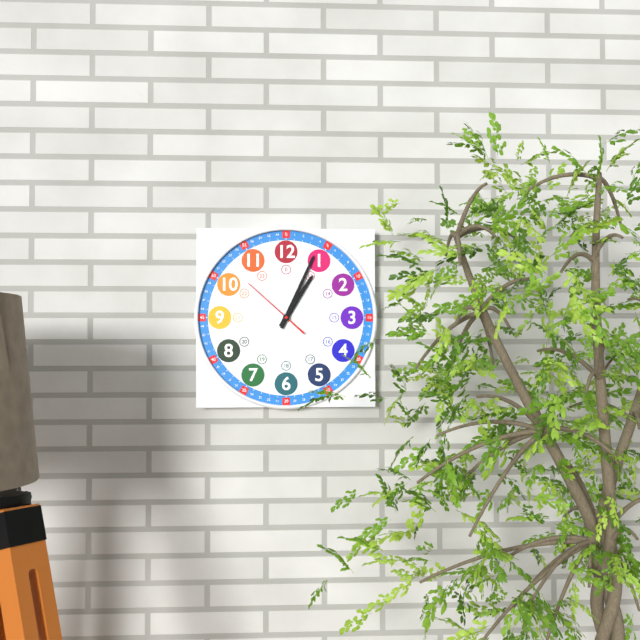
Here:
1,04,52
